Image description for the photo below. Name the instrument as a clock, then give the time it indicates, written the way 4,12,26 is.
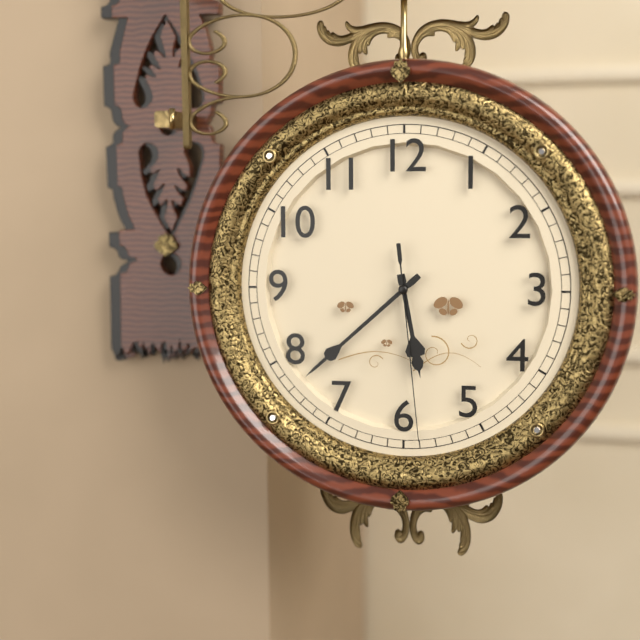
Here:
5,38,29
